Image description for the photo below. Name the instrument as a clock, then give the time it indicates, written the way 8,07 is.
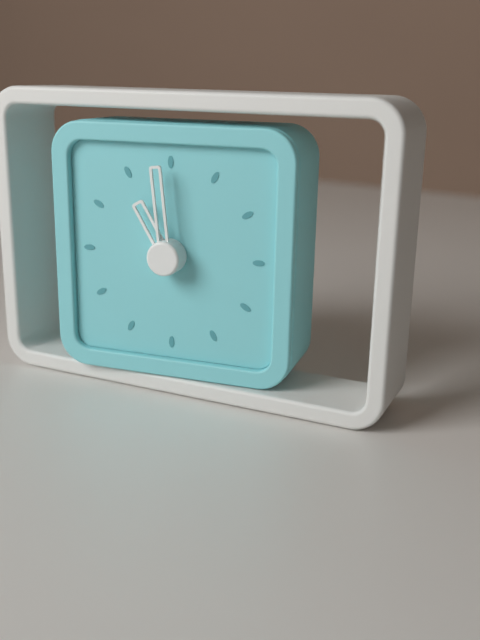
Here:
10,59
